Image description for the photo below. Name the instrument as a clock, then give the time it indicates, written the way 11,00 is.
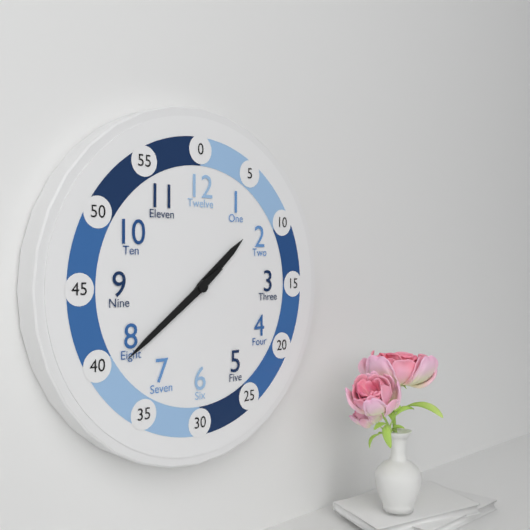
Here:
1,39
